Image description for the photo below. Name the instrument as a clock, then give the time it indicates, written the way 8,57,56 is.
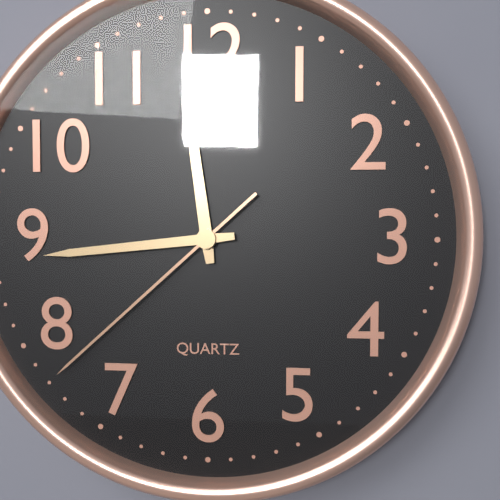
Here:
11,44,38
